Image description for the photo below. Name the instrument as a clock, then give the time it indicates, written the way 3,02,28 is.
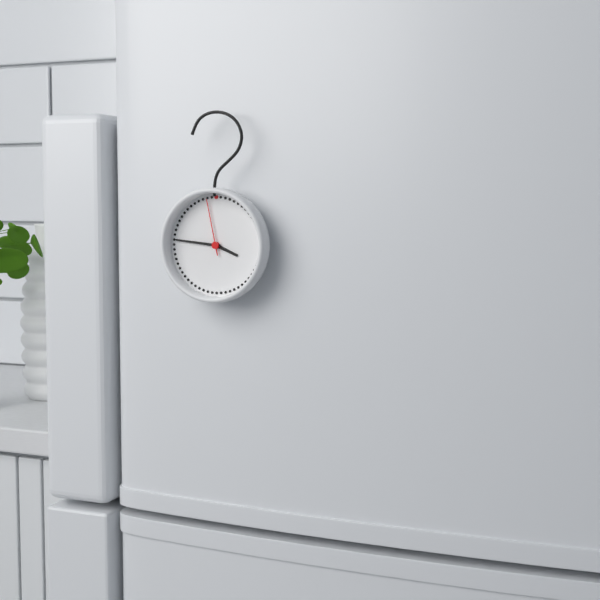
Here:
3,46,58
